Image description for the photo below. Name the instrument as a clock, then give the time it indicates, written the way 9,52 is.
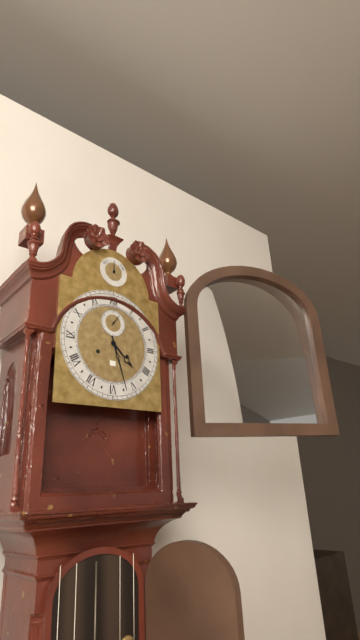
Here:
4,27
